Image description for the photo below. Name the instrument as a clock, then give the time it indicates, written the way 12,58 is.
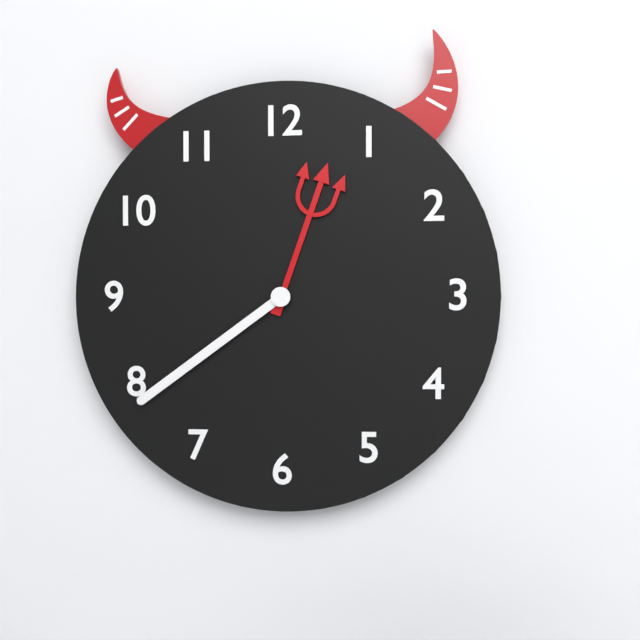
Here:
12,39
